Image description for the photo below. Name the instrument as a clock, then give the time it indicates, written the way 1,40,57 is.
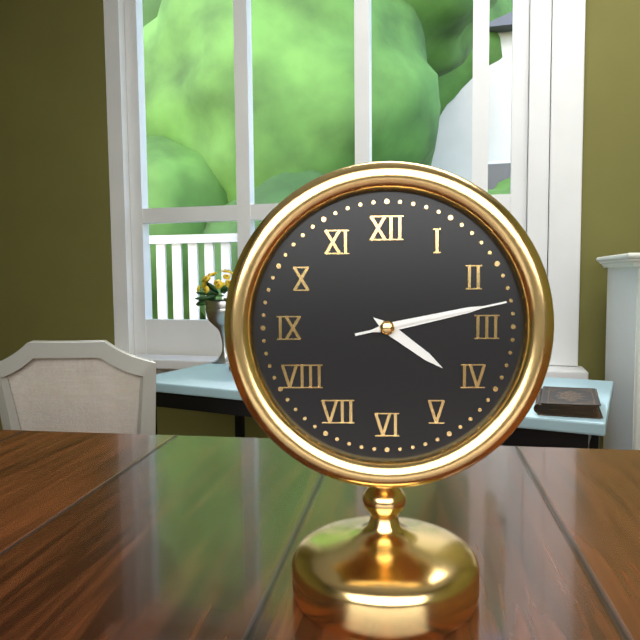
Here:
4,13,13
